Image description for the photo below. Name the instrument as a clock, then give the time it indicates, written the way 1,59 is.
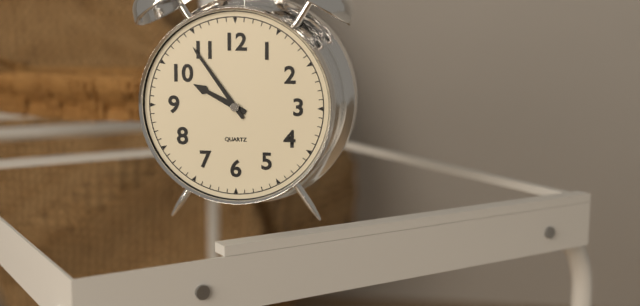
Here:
9,54
